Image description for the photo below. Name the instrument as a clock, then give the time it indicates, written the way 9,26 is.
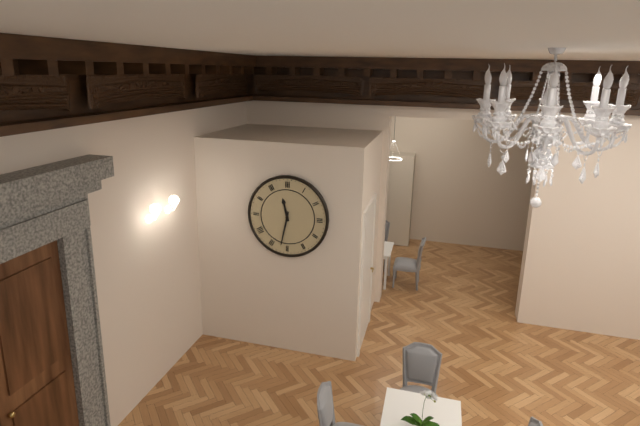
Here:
11,32
